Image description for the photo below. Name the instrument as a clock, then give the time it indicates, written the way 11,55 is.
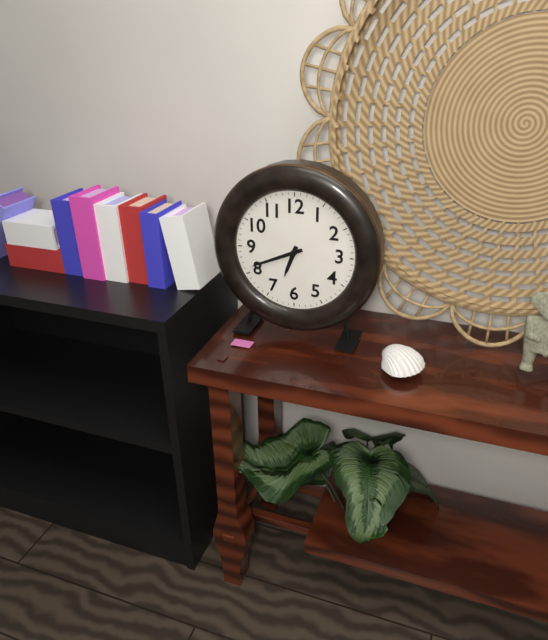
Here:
6,41
